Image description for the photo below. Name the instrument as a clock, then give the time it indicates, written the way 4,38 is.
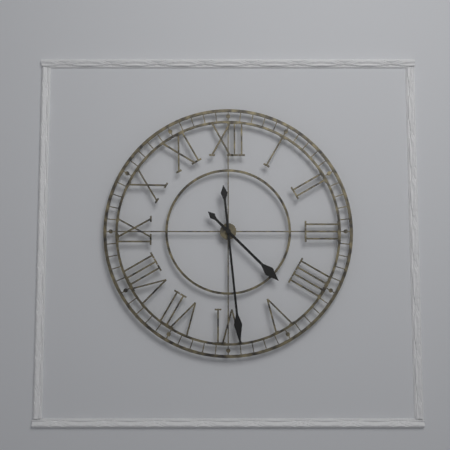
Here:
4,29
